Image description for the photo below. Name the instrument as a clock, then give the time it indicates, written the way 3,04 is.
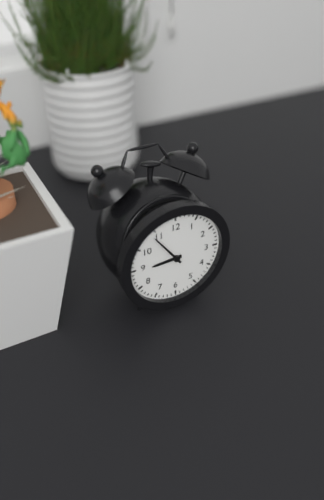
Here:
8,54
